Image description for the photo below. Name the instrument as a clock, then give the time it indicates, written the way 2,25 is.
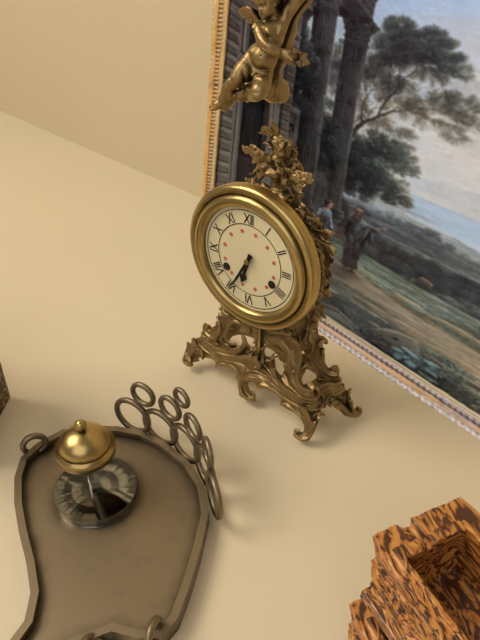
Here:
6,35
